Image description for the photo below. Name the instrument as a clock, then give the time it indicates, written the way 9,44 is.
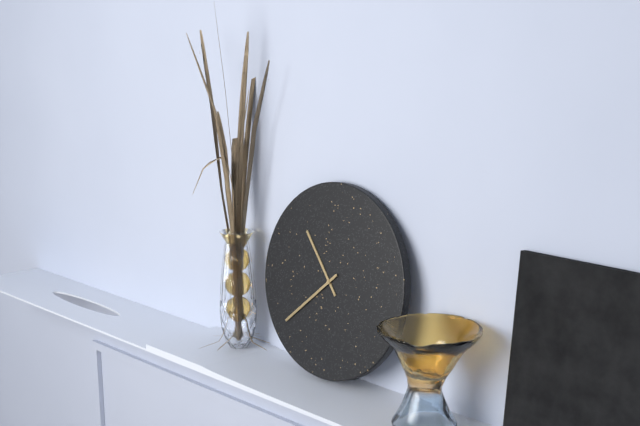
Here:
10,38
